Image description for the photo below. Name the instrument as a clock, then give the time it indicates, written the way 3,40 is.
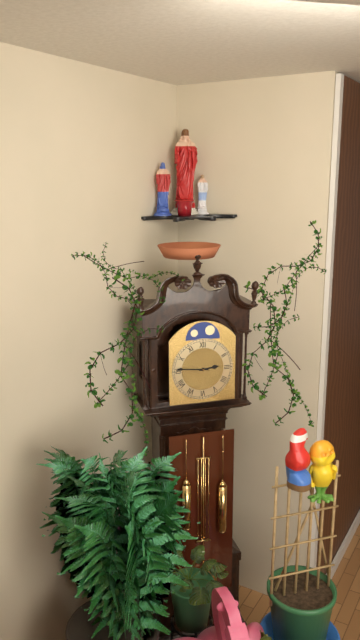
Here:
2,46
